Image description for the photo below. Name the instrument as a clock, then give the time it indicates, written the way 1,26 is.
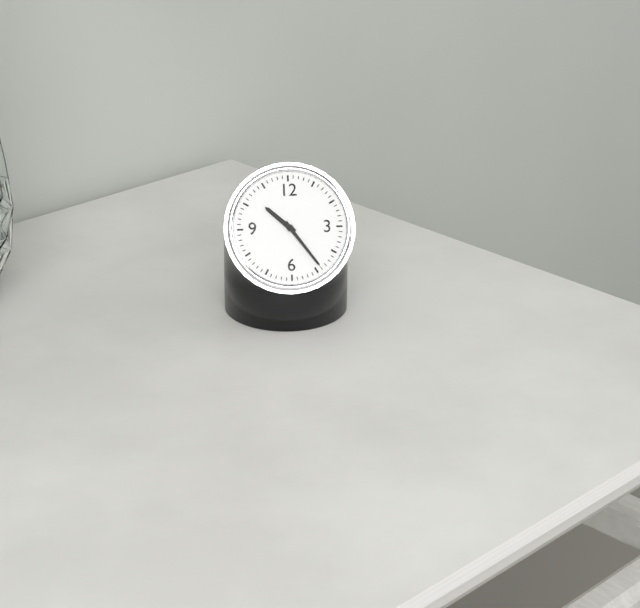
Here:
10,24
